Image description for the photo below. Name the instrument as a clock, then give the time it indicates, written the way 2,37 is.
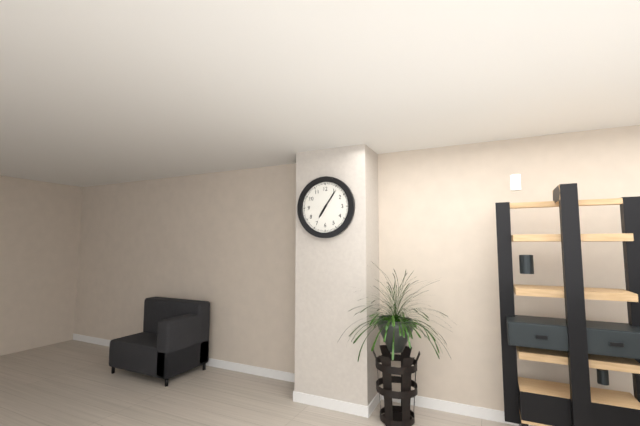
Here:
7,06
